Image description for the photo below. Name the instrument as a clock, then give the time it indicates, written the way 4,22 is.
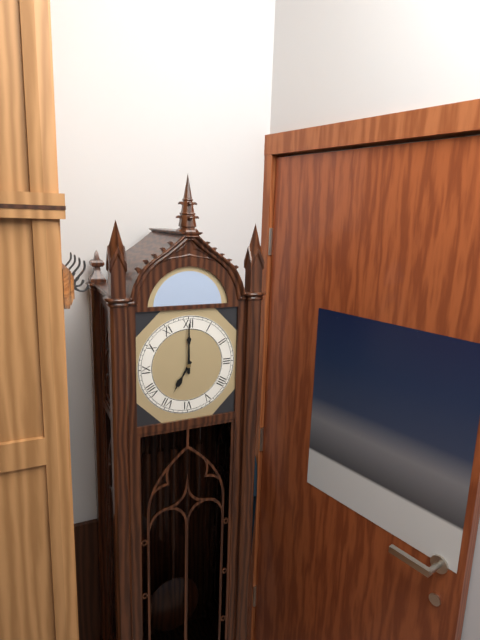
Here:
7,00
